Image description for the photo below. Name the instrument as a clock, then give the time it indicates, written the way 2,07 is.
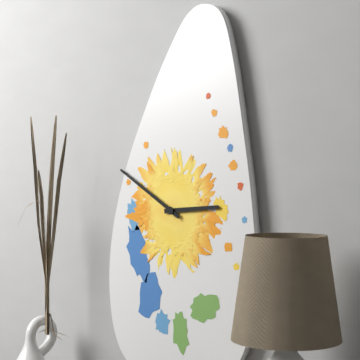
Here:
2,50
